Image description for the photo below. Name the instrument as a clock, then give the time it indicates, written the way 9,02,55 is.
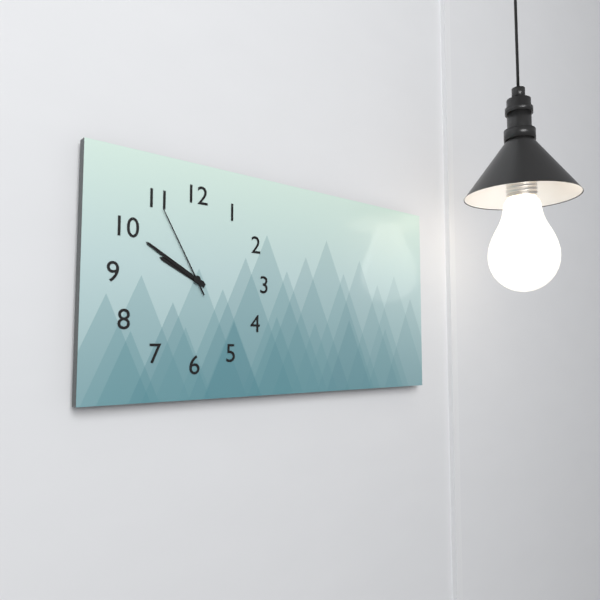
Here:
9,50,55
